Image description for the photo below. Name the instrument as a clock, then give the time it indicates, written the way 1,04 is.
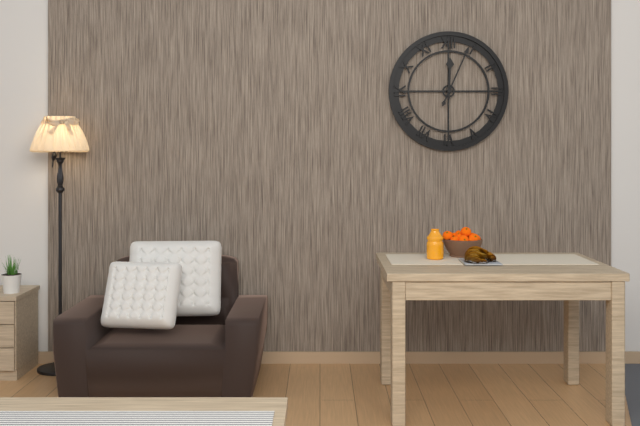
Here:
12,04
